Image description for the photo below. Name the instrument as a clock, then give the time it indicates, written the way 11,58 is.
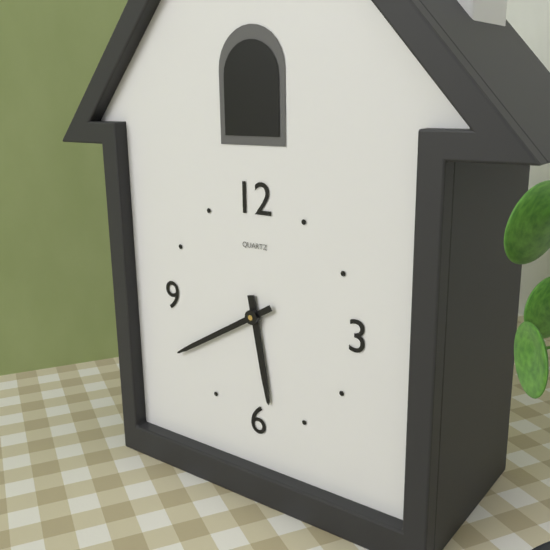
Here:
5,40
